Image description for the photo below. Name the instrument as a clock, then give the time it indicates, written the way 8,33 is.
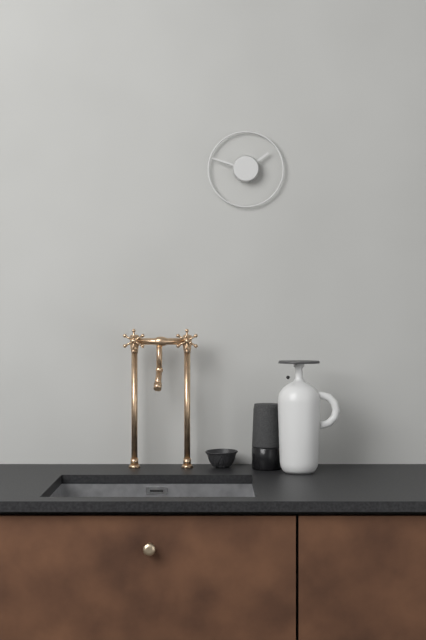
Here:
1,48
